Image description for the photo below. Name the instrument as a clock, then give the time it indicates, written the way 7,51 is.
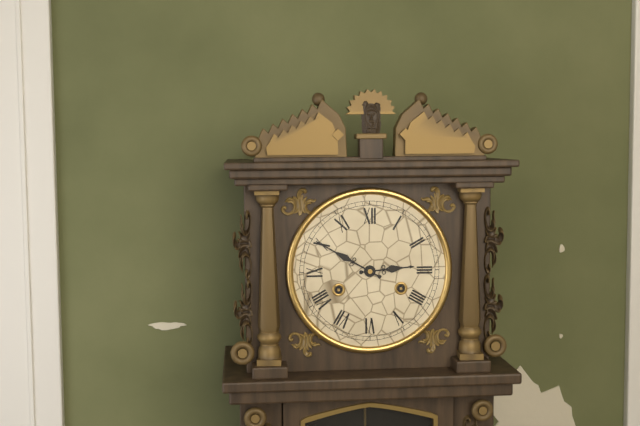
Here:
2,50
